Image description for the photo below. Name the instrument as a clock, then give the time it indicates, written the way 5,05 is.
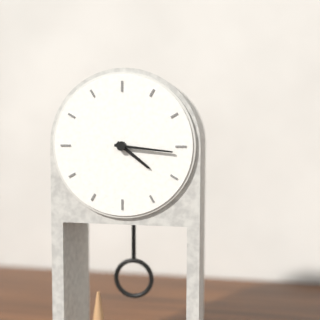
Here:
4,16
